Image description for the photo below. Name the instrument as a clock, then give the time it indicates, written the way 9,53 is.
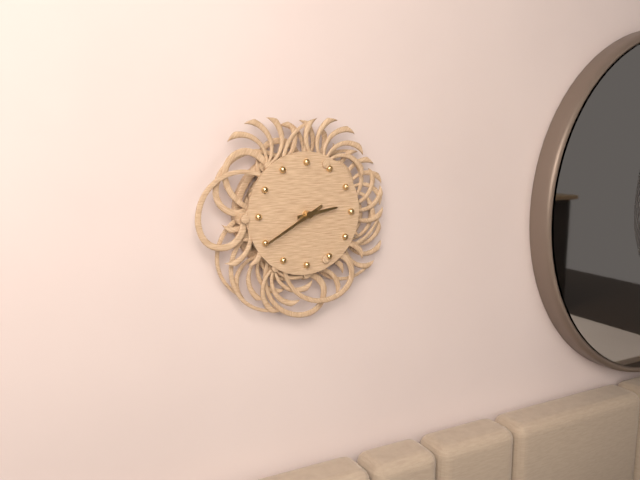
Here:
2,40
